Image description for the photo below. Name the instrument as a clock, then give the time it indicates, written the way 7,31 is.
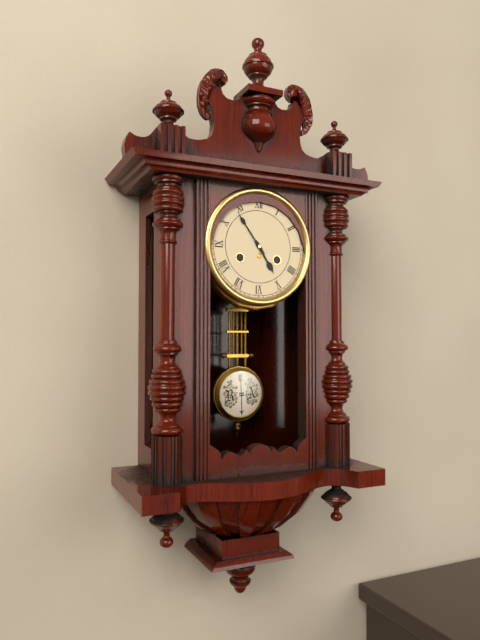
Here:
4,54
